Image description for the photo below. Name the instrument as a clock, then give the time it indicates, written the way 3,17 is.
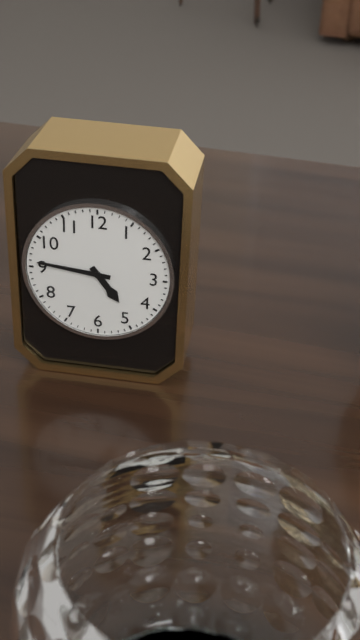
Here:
4,46
